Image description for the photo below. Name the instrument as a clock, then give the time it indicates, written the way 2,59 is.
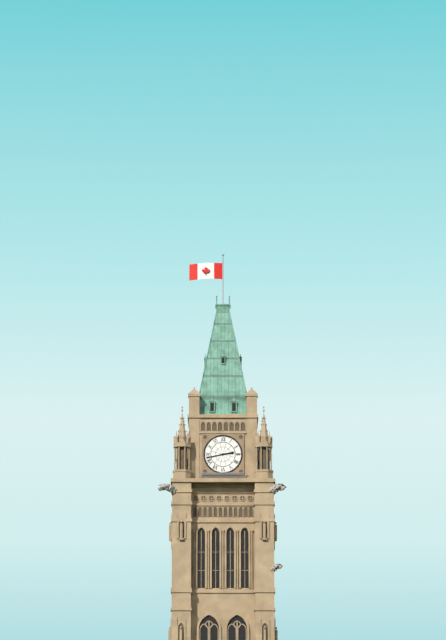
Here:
2,43
